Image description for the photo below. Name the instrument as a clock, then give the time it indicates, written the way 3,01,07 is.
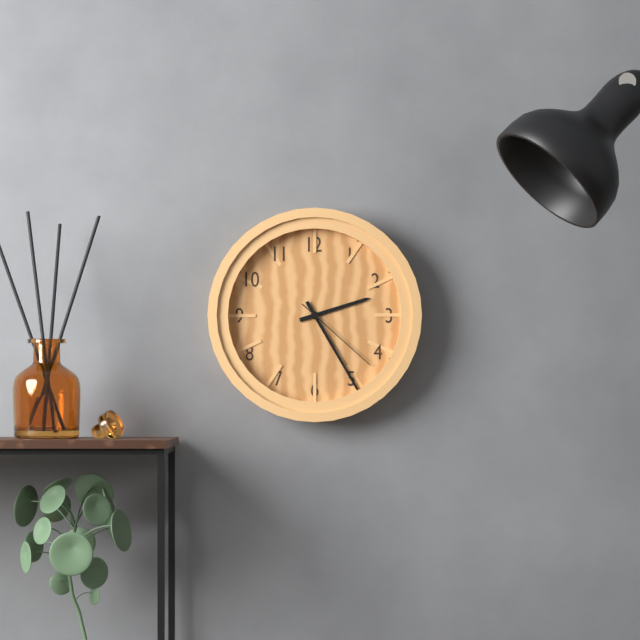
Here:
2,25,22
